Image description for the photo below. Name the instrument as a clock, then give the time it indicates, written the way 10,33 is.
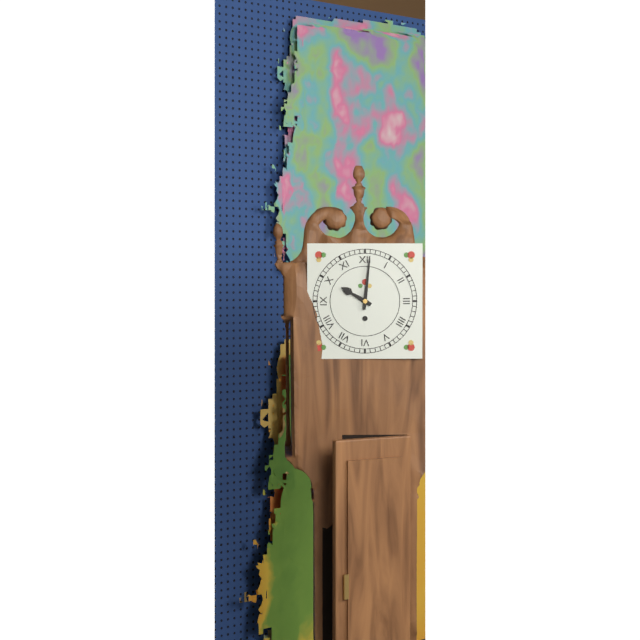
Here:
10,01
